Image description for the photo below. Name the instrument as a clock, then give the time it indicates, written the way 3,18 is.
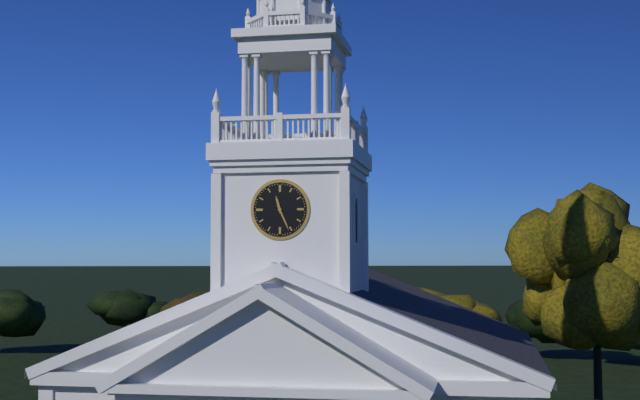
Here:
11,26
